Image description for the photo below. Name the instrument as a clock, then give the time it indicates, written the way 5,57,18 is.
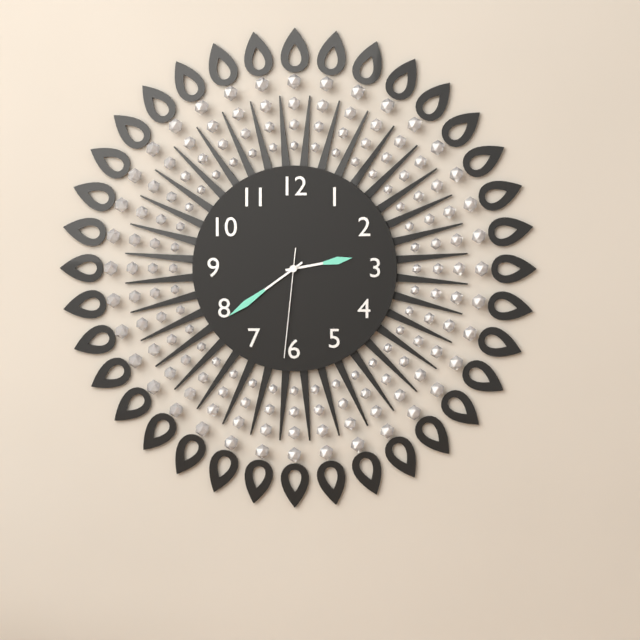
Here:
2,39,31
